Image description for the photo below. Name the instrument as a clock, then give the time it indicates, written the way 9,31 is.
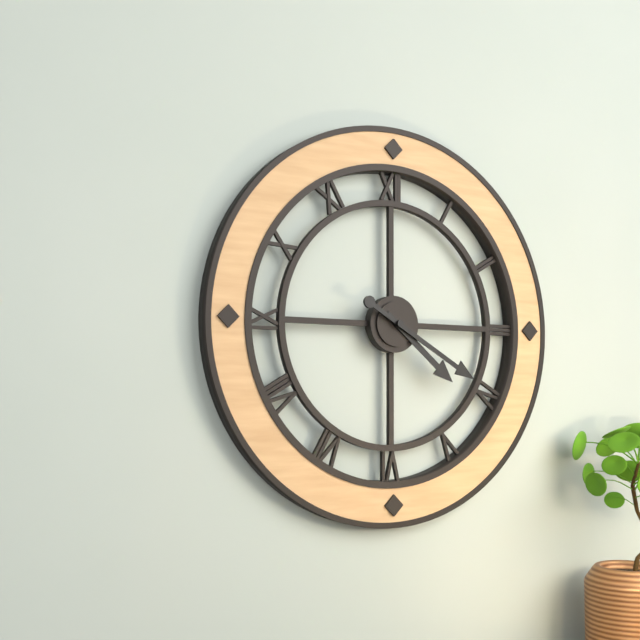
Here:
4,20
